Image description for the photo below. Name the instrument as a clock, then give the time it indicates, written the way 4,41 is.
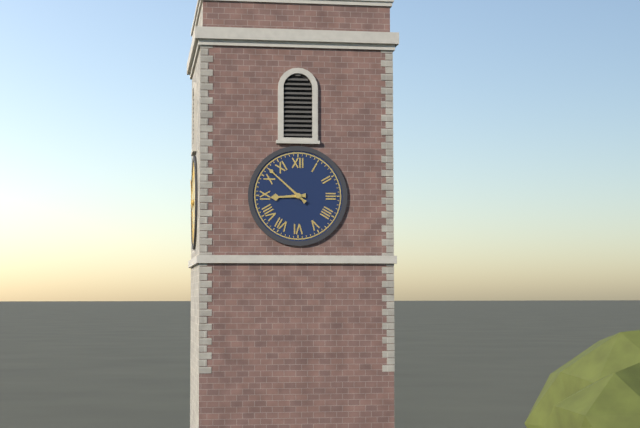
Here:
8,52
